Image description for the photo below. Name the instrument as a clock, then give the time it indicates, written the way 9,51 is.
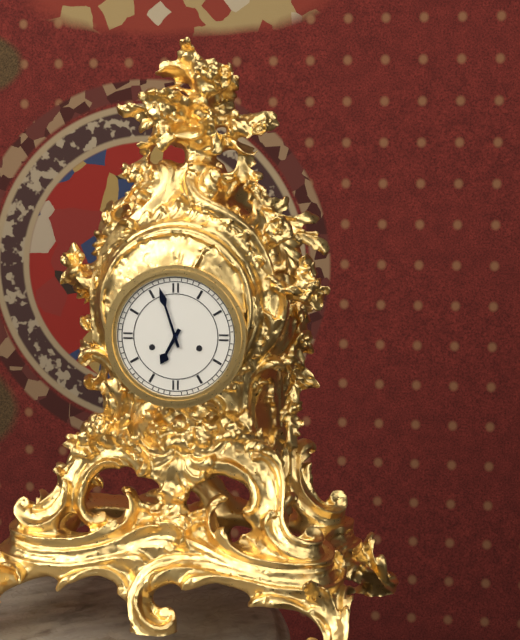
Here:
6,57
